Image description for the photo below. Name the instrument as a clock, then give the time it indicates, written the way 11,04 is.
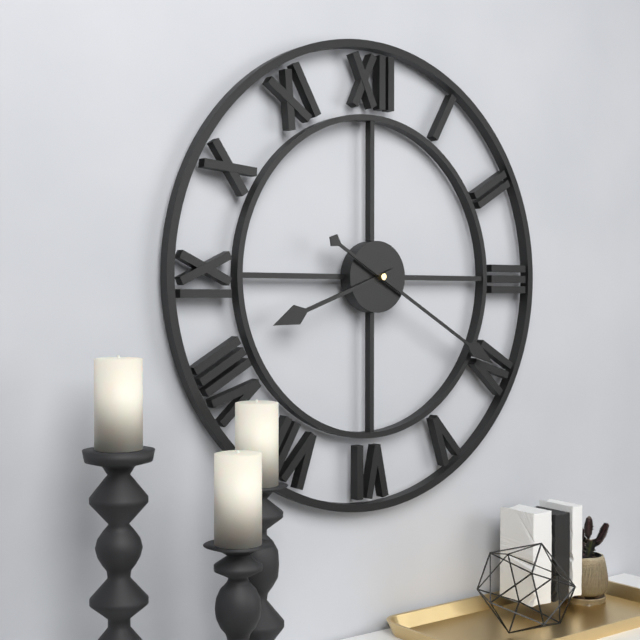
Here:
8,20
